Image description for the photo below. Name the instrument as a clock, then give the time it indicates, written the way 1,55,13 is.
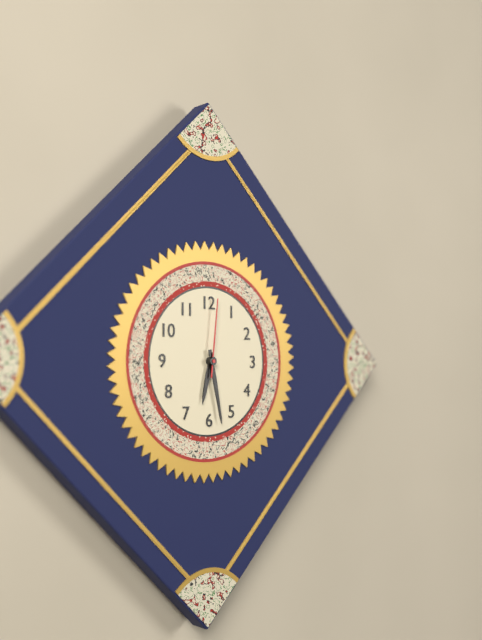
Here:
6,28,01
